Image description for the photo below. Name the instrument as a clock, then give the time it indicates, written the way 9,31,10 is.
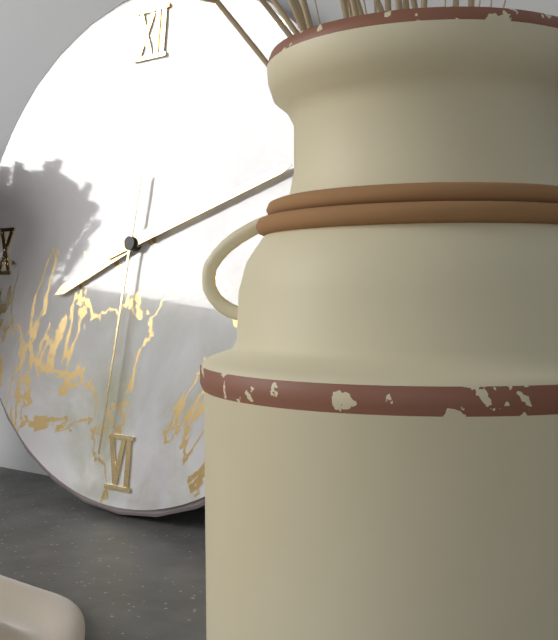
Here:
8,12,31
